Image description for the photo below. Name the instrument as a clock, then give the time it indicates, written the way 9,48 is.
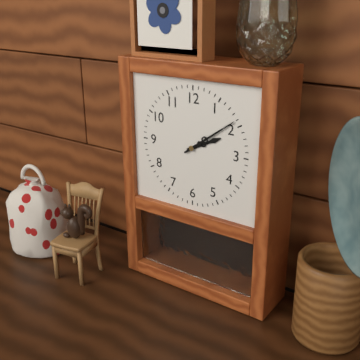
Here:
2,09
